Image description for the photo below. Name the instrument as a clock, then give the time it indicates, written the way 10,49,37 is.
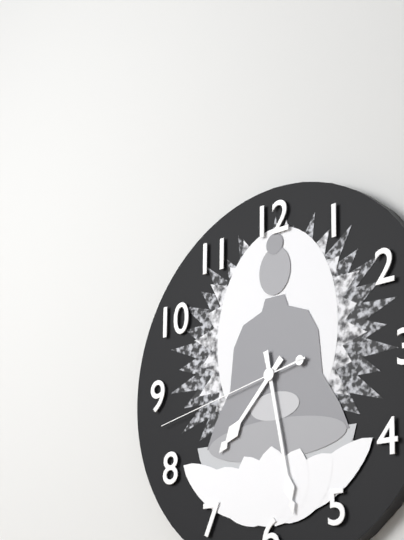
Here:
7,28,43
